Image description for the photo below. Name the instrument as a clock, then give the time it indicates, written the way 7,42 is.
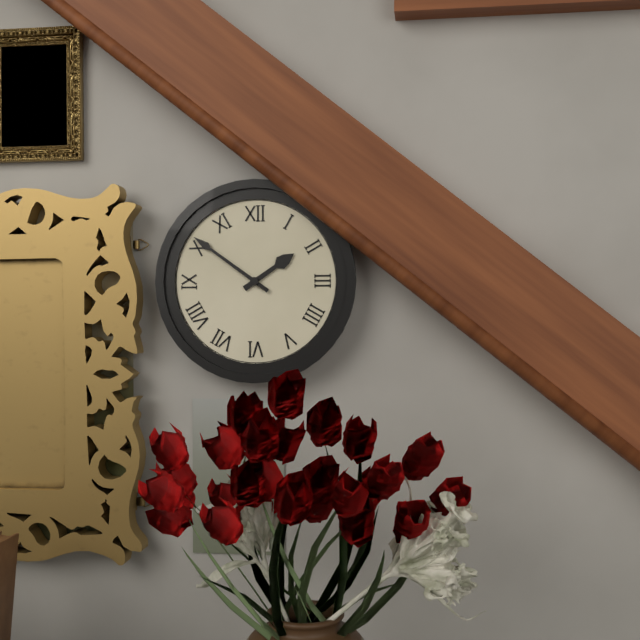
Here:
1,51
